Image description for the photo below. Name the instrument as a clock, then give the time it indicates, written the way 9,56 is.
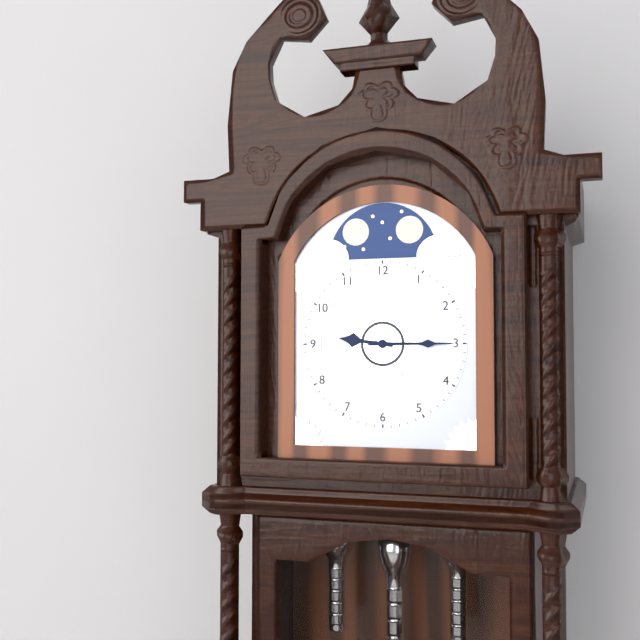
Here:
9,15
